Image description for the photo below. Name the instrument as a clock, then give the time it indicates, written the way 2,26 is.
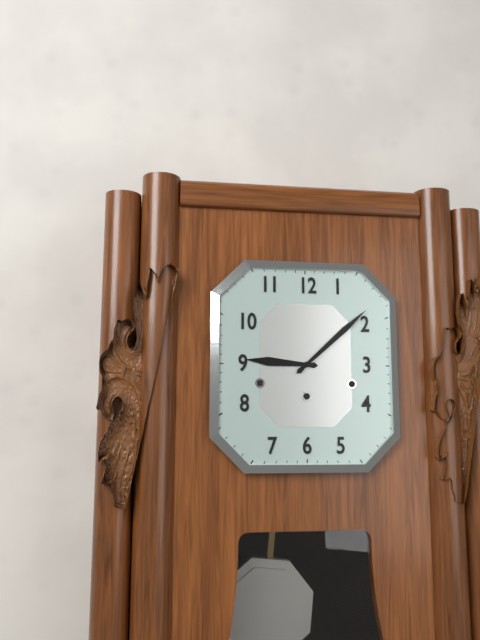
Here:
9,08
